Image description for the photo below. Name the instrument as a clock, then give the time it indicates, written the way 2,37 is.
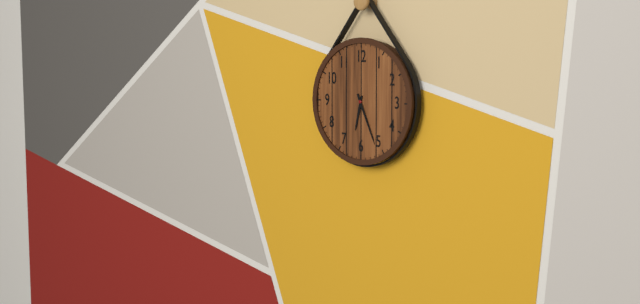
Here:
6,26
